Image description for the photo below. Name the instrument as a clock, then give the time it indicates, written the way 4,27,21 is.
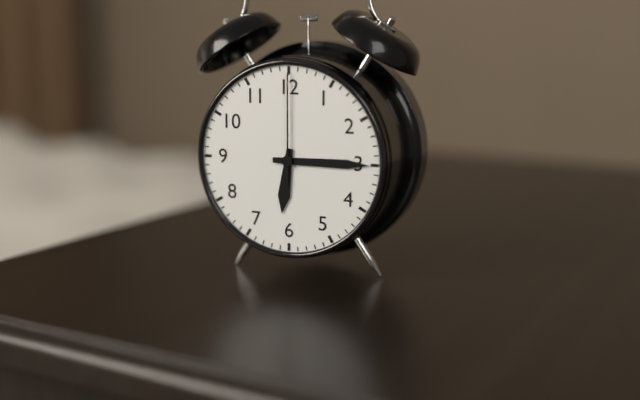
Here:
6,15,00
